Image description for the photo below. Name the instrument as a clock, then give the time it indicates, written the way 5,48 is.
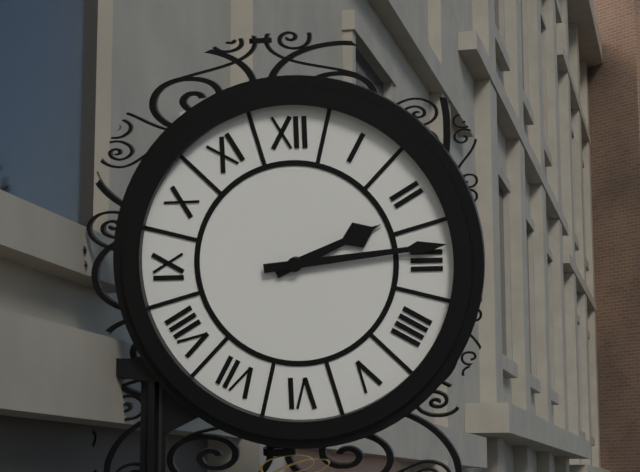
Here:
2,14
